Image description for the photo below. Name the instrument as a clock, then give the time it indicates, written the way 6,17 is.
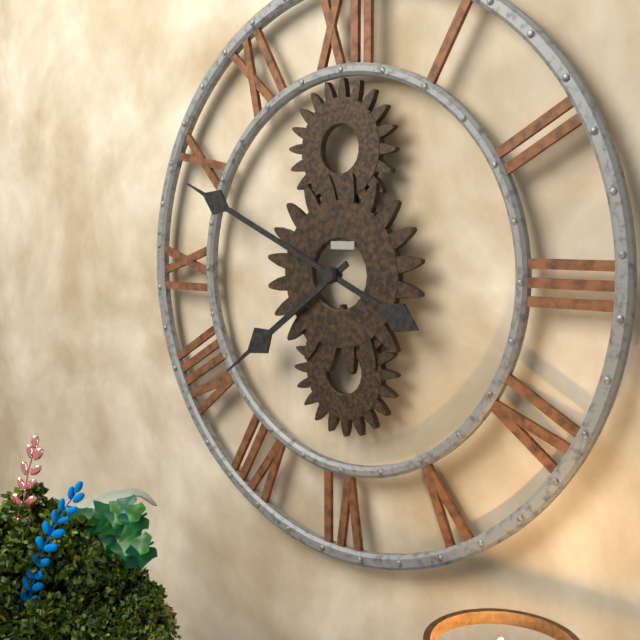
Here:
7,49
